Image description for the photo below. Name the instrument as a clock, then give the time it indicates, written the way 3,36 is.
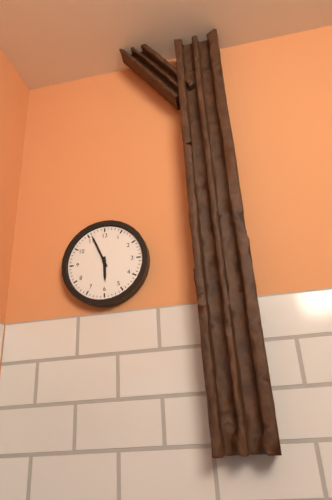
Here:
5,56
